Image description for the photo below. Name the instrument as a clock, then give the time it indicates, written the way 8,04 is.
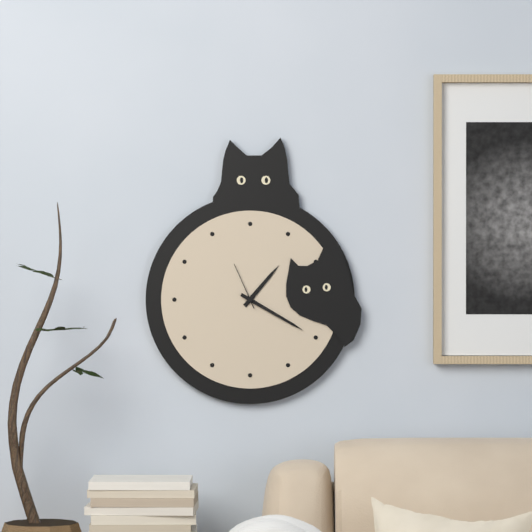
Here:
1,20
